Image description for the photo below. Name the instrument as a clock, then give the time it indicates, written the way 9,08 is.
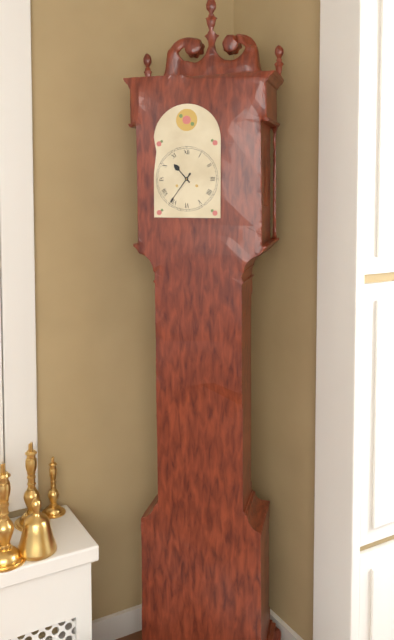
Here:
10,36
